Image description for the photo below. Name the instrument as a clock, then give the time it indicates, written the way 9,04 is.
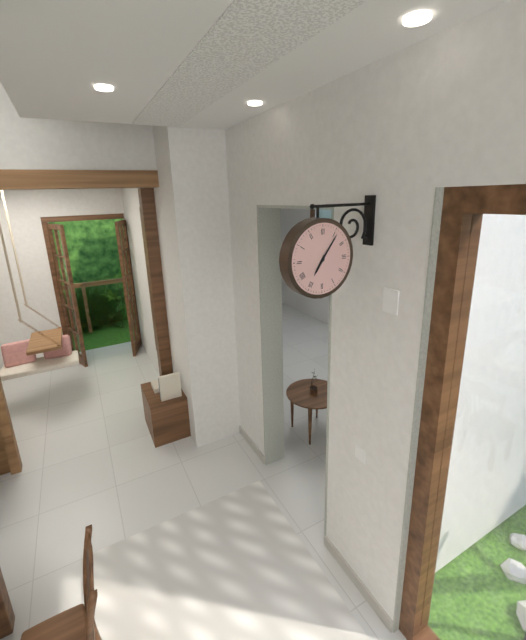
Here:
7,06
